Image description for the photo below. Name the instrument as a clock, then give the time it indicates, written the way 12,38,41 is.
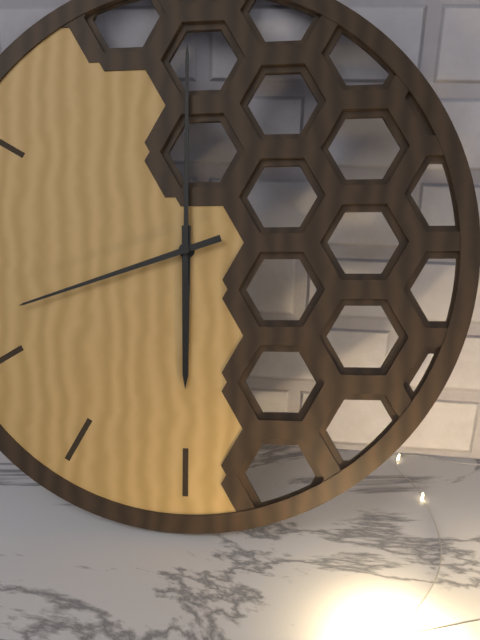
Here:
6,00,42
